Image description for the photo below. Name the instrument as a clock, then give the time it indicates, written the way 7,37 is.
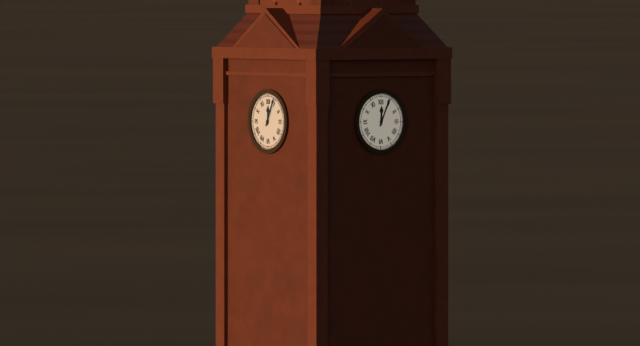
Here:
12,04
